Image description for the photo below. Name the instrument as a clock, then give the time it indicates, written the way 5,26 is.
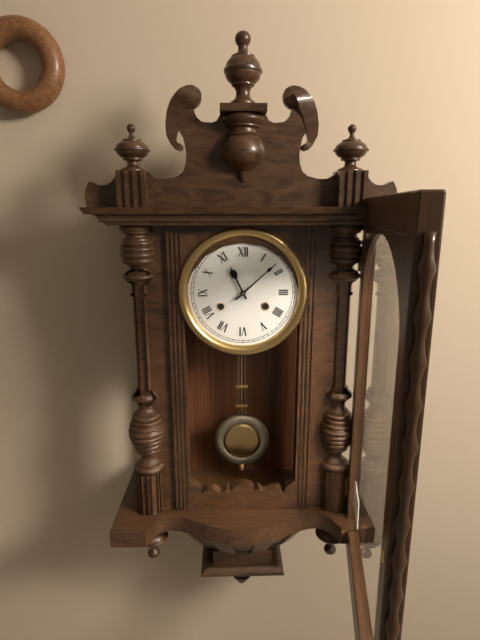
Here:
11,08
